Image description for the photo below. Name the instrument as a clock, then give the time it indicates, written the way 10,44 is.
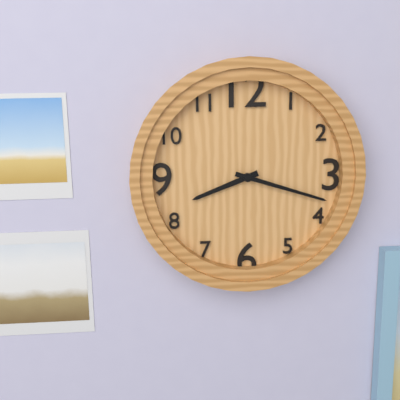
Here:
8,18
